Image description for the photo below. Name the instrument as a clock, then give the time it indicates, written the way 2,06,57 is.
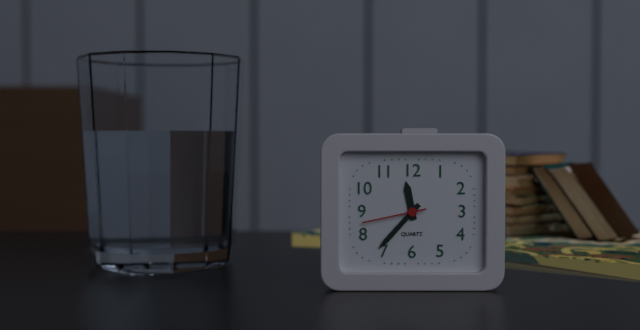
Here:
11,37,43
